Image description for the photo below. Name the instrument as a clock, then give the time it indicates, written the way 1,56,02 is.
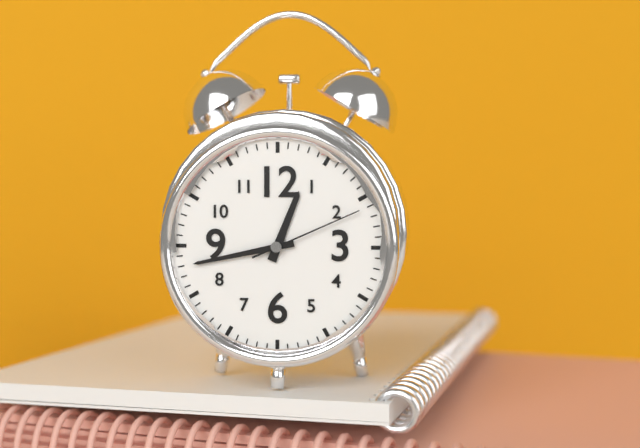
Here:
12,43,11
